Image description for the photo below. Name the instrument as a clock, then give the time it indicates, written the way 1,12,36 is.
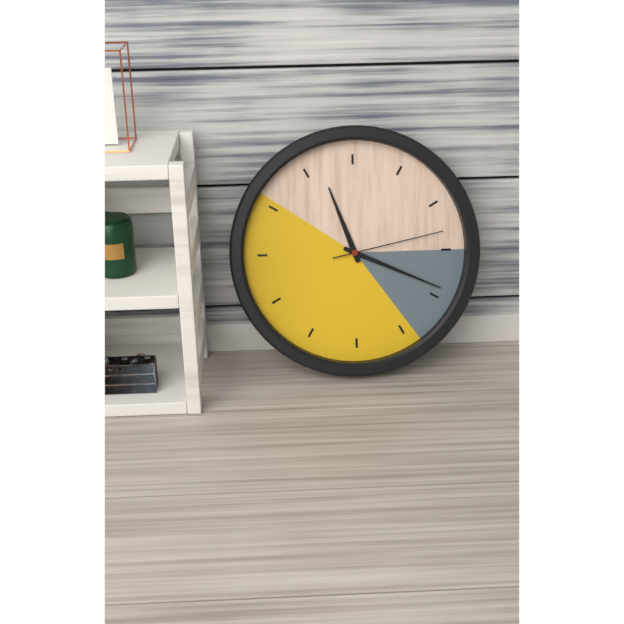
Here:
11,19,13
